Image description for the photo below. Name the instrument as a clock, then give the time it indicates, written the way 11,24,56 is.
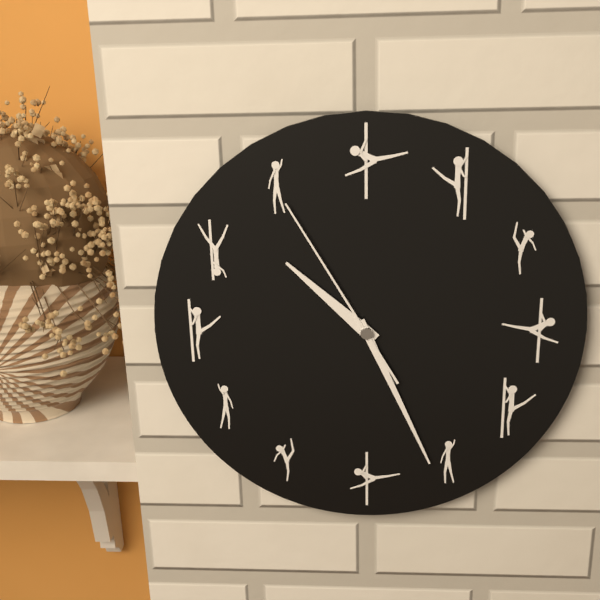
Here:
10,26,55
